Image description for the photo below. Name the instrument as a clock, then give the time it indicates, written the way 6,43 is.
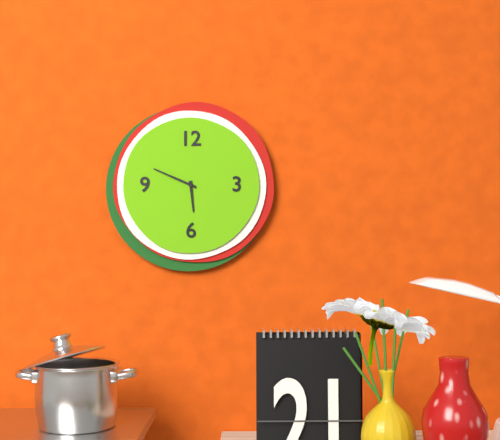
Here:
5,49
